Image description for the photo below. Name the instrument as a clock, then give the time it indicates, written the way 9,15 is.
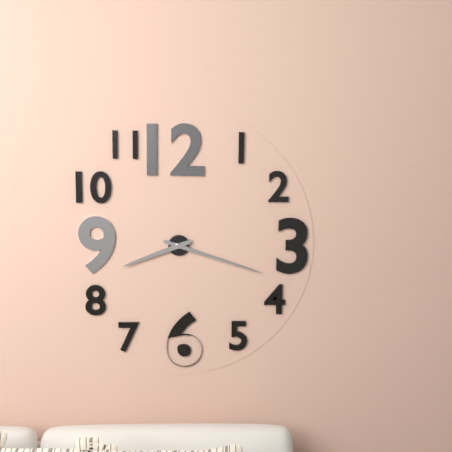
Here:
8,18
